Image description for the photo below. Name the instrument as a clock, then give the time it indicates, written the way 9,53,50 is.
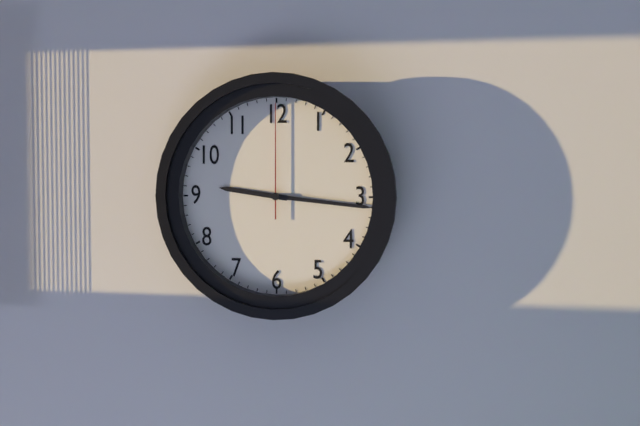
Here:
9,16,00
